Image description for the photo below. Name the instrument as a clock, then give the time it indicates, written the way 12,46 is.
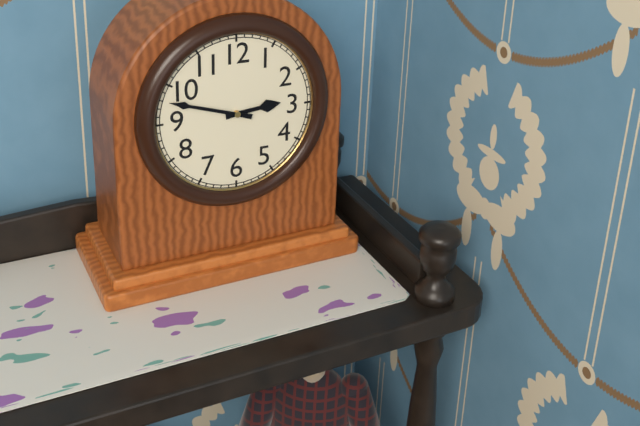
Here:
2,48
